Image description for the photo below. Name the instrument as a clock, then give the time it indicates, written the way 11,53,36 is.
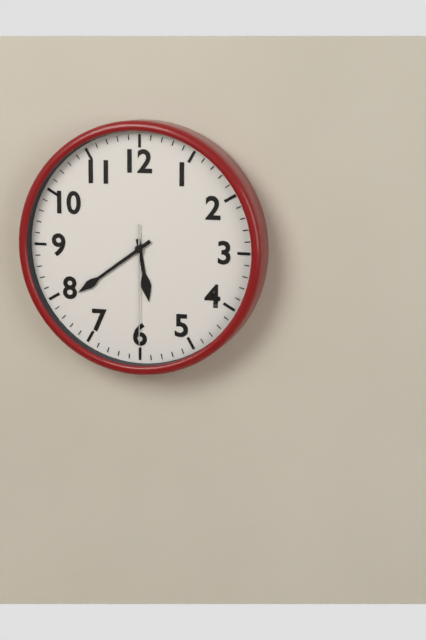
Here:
5,39,30
